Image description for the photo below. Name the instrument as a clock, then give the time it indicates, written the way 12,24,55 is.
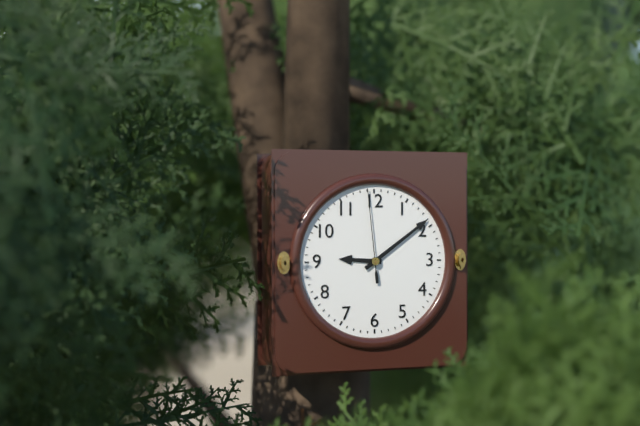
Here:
9,09,59
